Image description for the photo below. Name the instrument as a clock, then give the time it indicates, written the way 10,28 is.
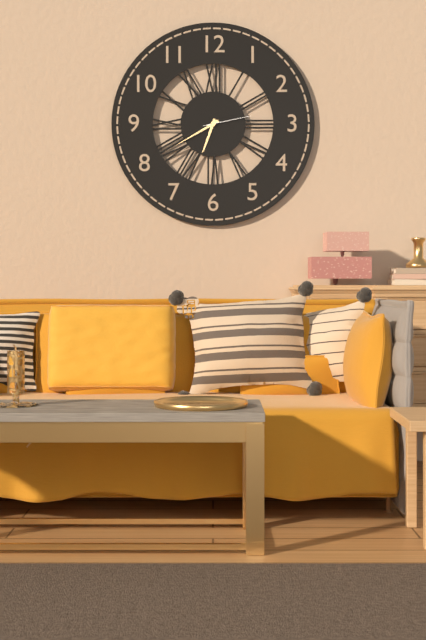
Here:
6,40
